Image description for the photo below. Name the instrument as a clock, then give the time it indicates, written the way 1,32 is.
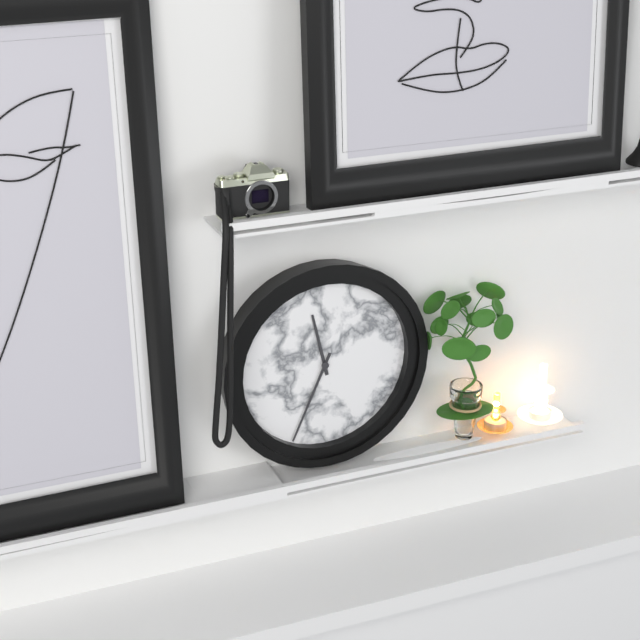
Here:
11,34
